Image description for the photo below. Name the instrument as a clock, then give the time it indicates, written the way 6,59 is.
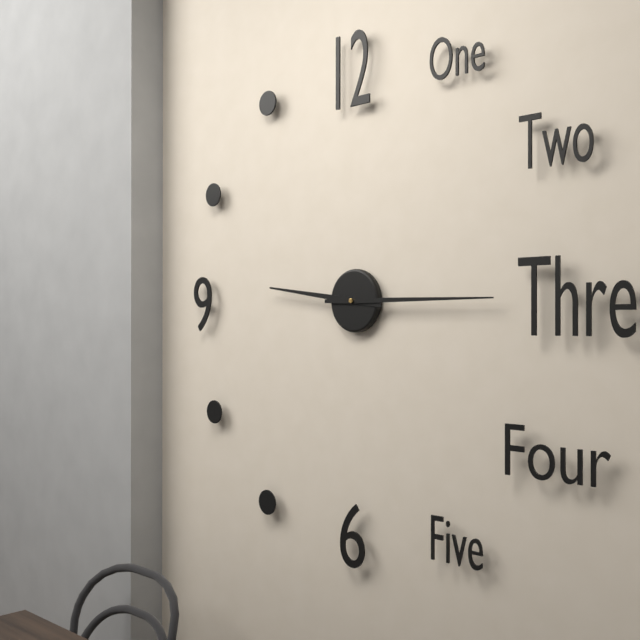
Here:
9,15
